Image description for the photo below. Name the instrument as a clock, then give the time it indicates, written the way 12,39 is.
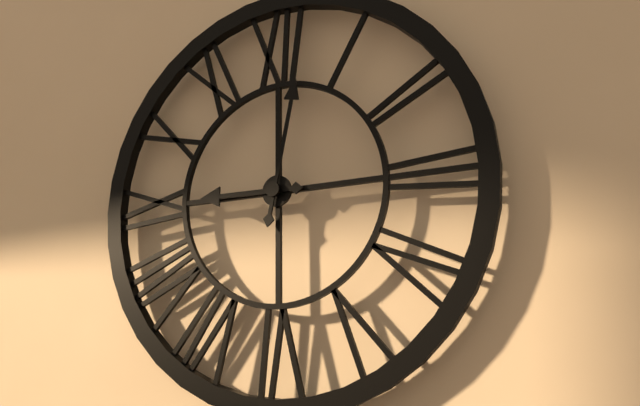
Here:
9,02
